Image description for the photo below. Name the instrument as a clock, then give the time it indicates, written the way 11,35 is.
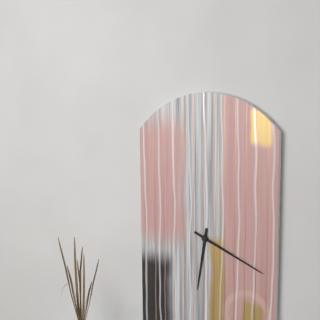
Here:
6,19
